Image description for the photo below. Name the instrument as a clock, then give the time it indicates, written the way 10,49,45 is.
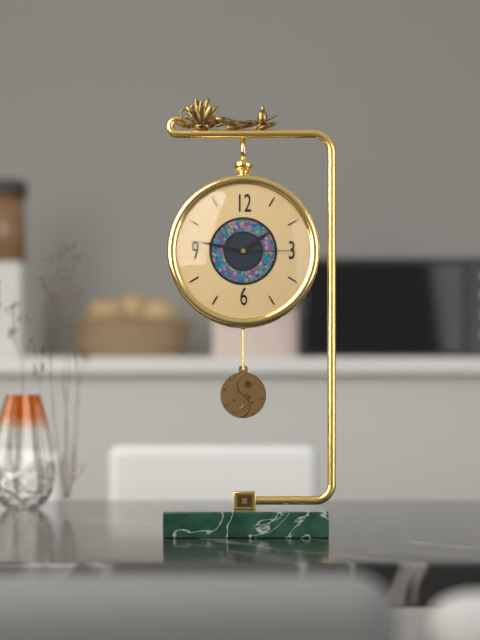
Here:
1,47,15
